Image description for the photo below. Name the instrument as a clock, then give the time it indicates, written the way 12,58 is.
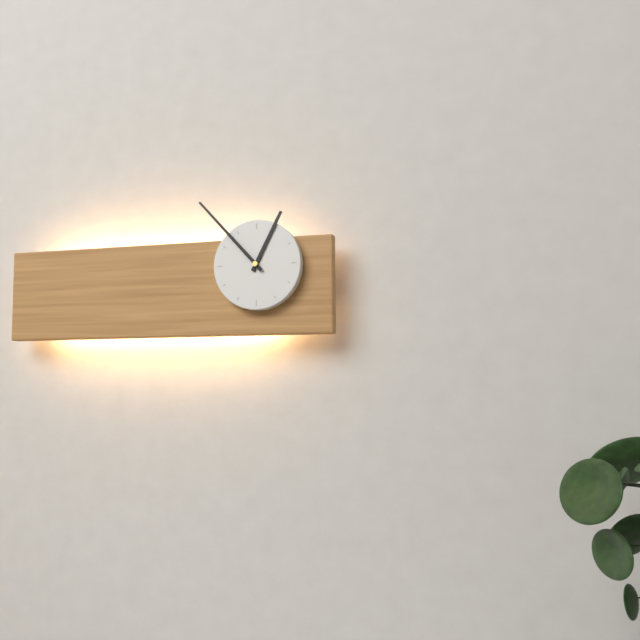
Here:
12,53
